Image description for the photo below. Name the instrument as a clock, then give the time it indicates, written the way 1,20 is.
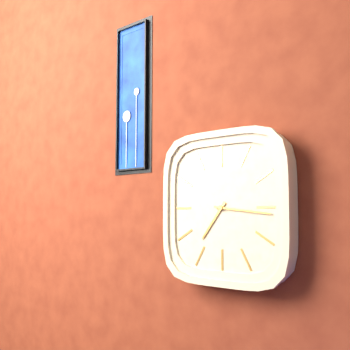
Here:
7,16
